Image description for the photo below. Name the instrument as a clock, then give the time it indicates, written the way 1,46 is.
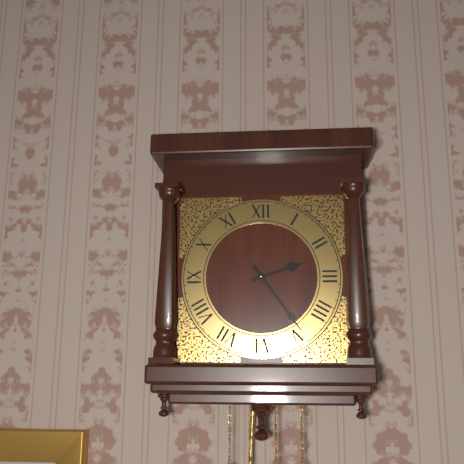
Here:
2,24
